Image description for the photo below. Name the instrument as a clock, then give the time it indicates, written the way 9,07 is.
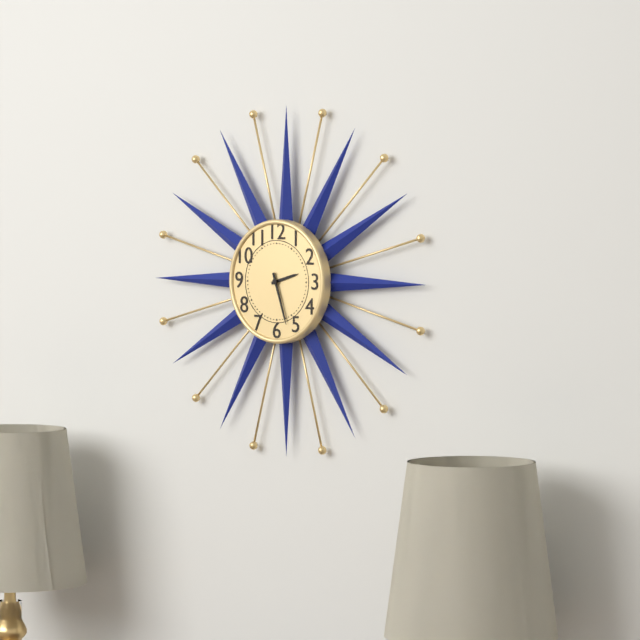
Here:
2,27
